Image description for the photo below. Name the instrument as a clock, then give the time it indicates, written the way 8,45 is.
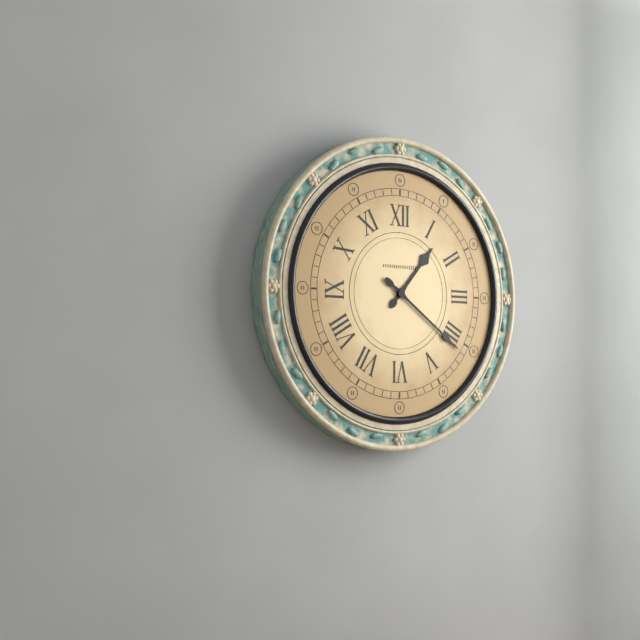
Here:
1,21
